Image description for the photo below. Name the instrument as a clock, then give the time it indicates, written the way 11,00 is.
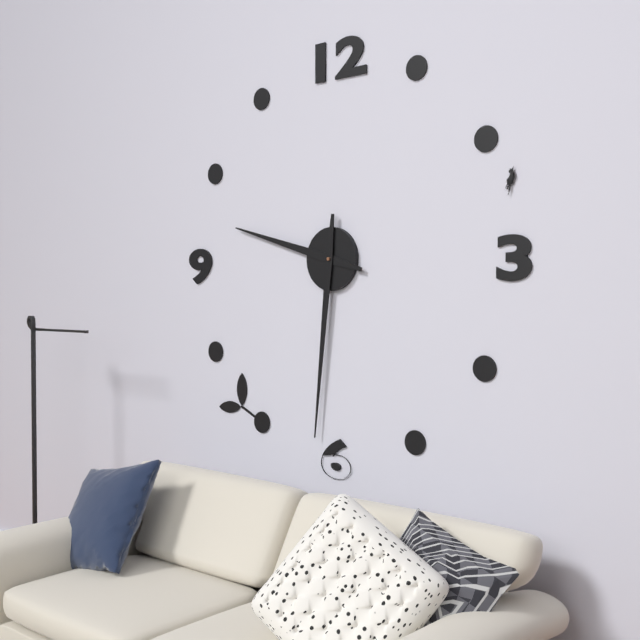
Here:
9,31
